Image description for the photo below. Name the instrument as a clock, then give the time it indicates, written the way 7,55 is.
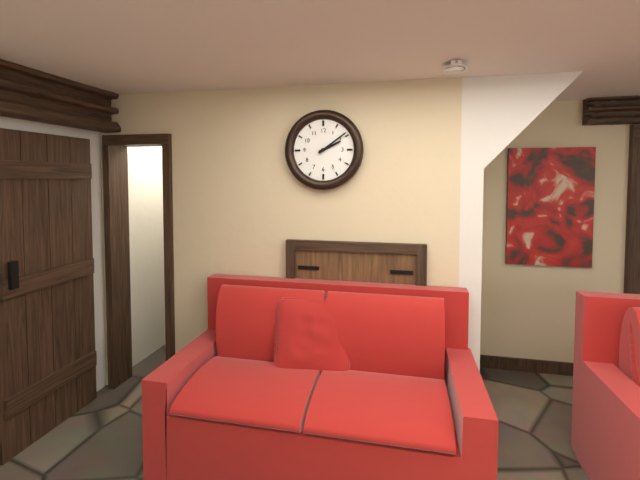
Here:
2,09
